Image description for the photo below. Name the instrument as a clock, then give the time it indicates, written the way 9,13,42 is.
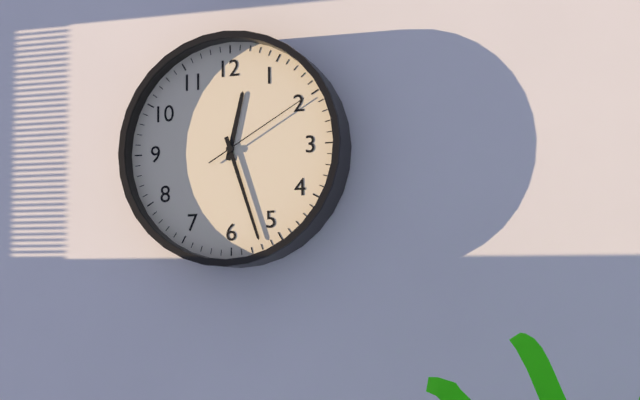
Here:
12,27,10
